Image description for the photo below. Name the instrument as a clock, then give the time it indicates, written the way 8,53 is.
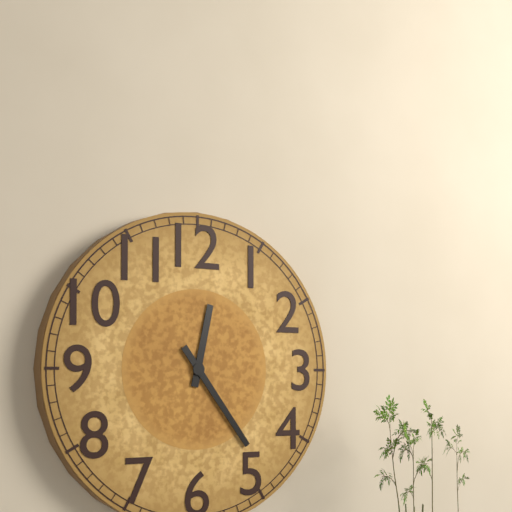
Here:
12,24
